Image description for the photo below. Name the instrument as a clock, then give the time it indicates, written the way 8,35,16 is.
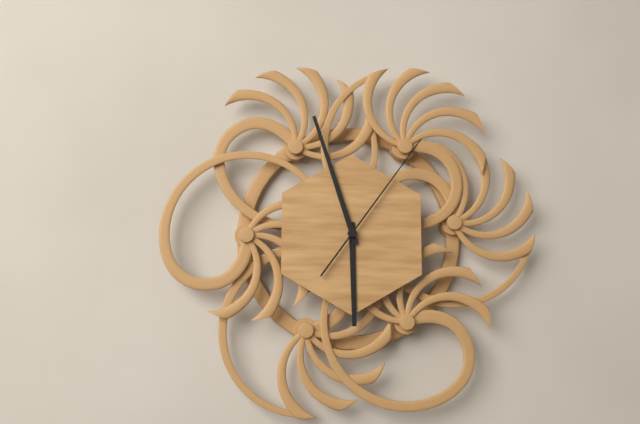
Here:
5,57,06
